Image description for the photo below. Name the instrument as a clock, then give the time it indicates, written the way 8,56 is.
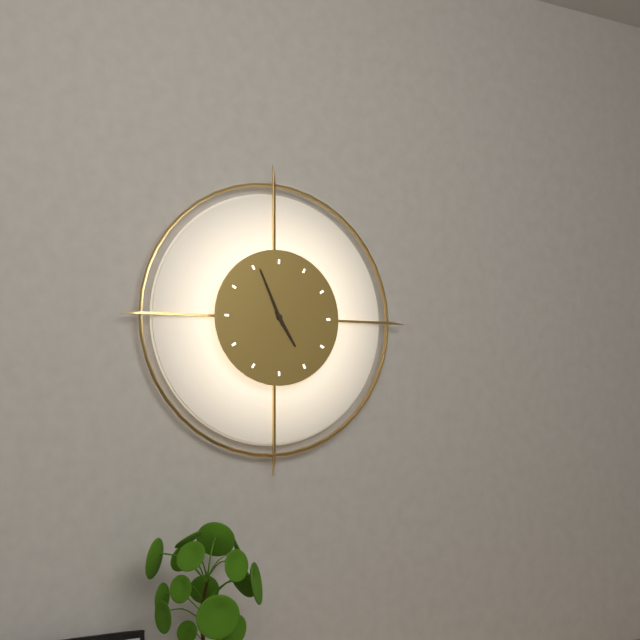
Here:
4,56
